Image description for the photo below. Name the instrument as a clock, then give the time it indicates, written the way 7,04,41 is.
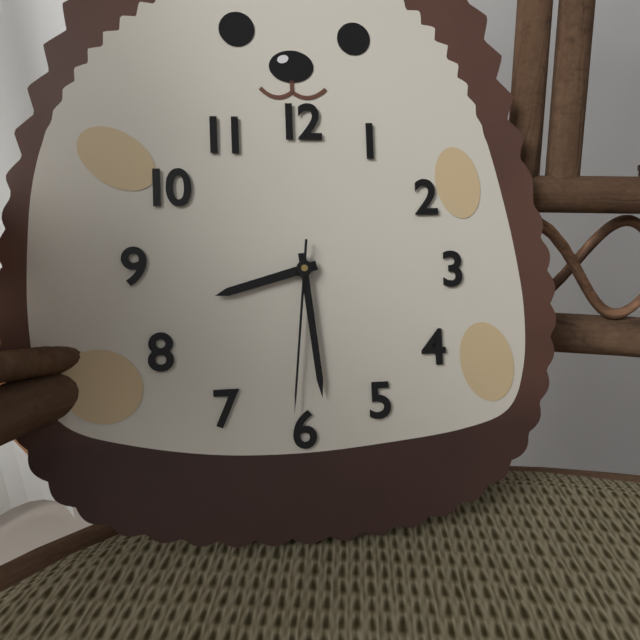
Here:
8,29,31
